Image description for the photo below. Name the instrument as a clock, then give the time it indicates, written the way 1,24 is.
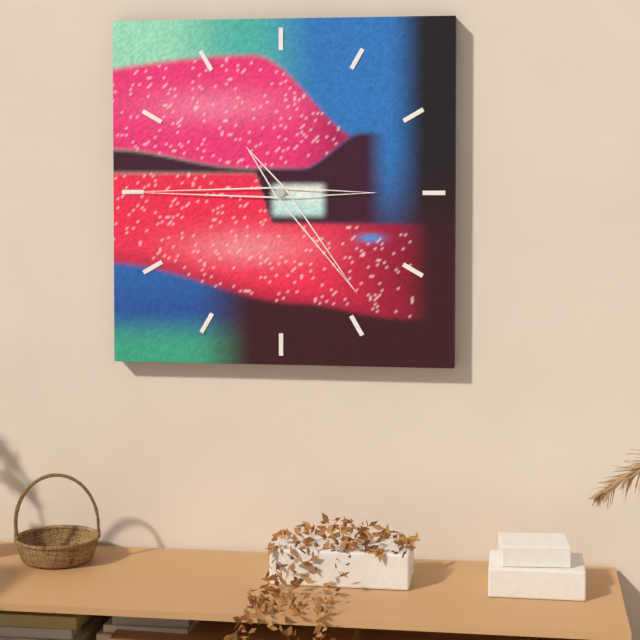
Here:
4,45
